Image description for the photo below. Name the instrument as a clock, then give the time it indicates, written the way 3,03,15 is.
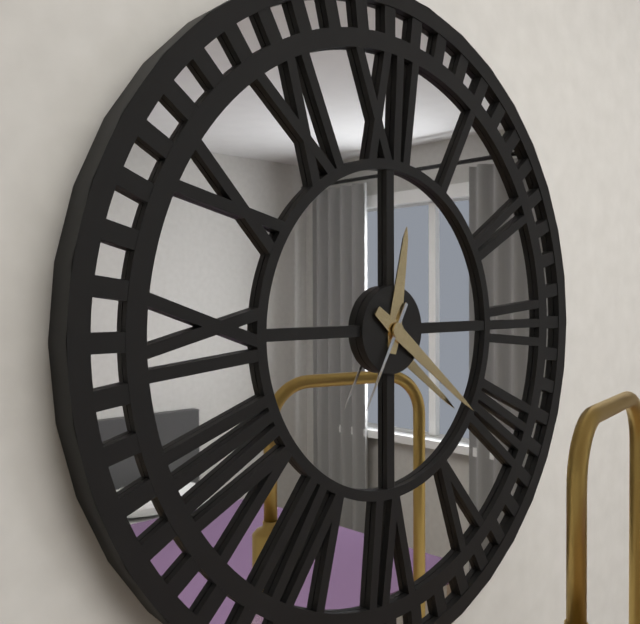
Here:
12,21,35
